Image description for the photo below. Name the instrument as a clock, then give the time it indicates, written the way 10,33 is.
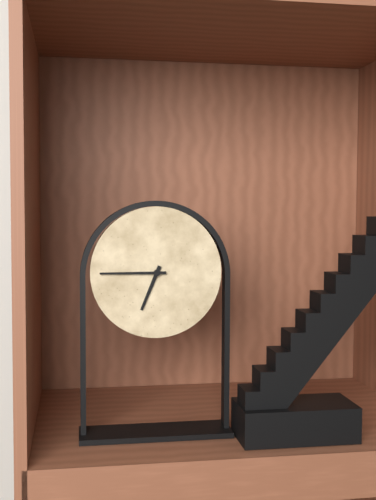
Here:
6,45
